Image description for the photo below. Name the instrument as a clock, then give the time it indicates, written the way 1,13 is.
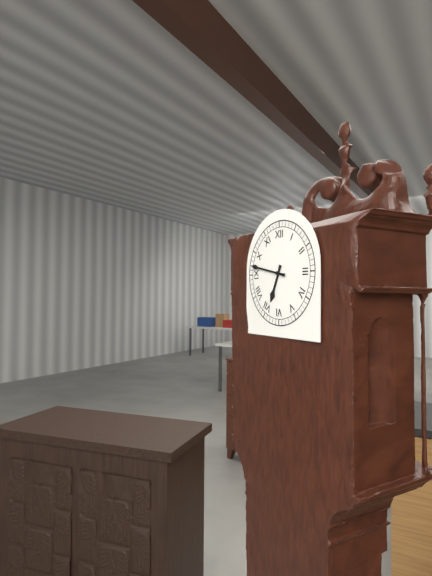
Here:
6,47
